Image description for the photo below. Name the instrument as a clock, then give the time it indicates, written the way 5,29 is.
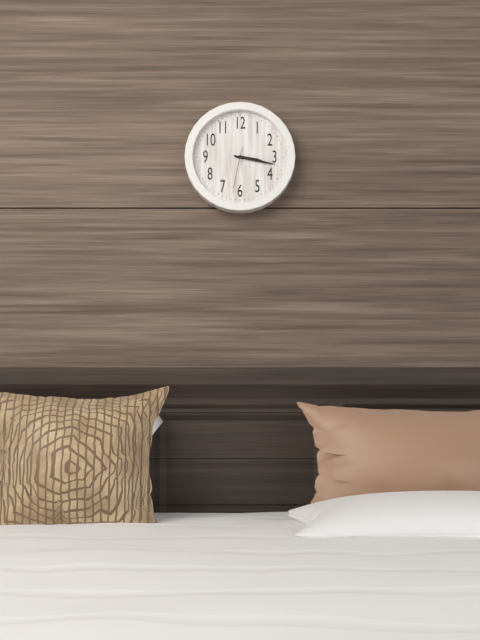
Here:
3,17
